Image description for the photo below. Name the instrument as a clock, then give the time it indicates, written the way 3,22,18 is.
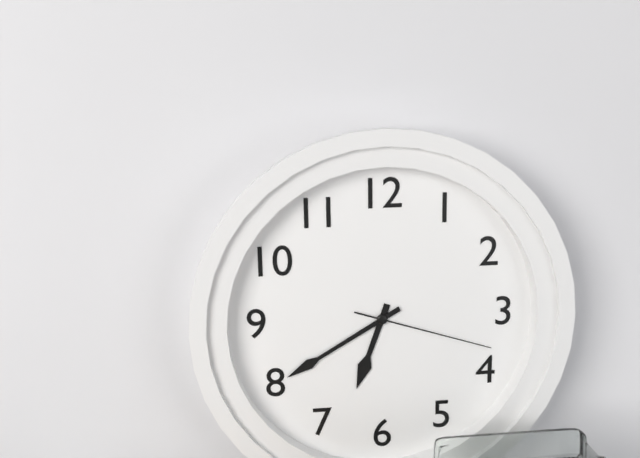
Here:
6,40,18
